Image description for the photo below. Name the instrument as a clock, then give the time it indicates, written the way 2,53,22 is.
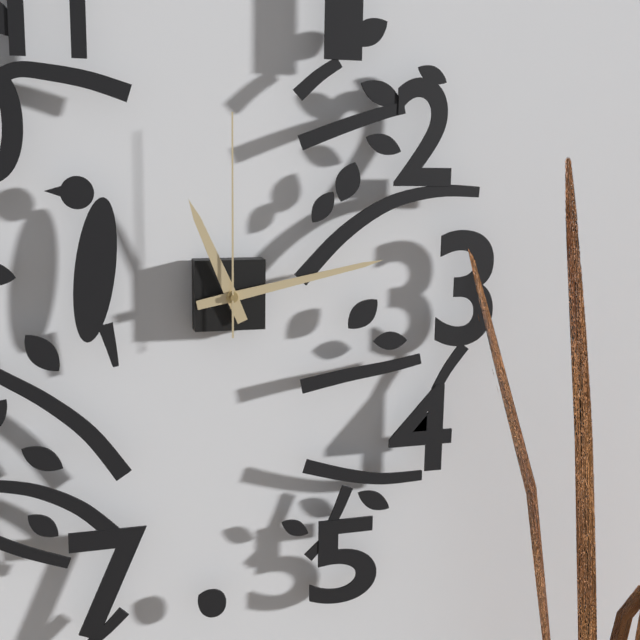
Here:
11,13,00
